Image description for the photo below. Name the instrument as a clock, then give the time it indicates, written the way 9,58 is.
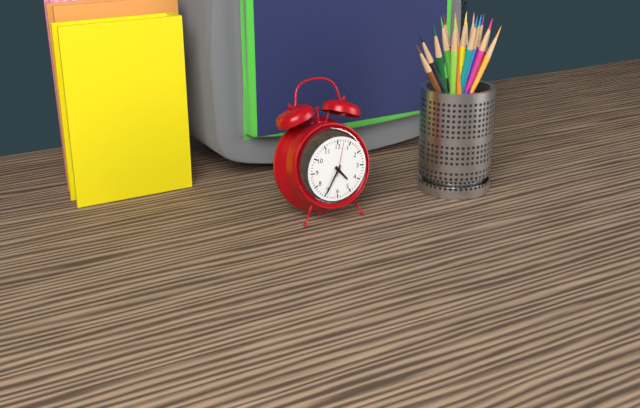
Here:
4,35
